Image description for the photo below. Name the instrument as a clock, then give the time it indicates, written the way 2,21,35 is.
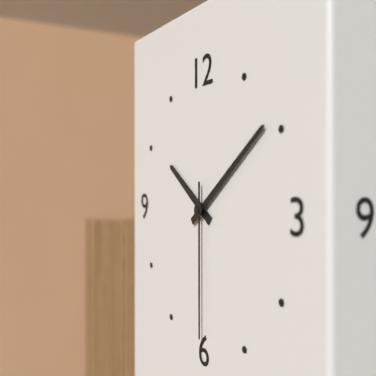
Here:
10,09,30
